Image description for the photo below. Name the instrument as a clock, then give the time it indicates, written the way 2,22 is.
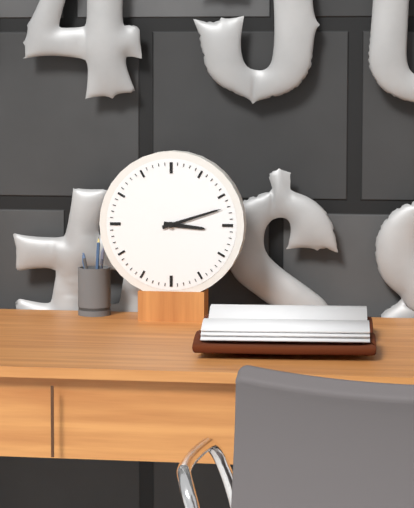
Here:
3,12
